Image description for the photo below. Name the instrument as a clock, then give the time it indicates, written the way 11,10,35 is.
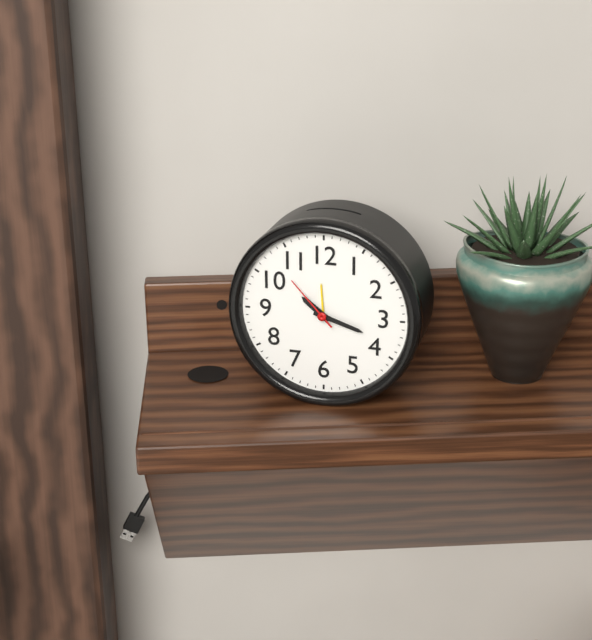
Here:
10,18,53
